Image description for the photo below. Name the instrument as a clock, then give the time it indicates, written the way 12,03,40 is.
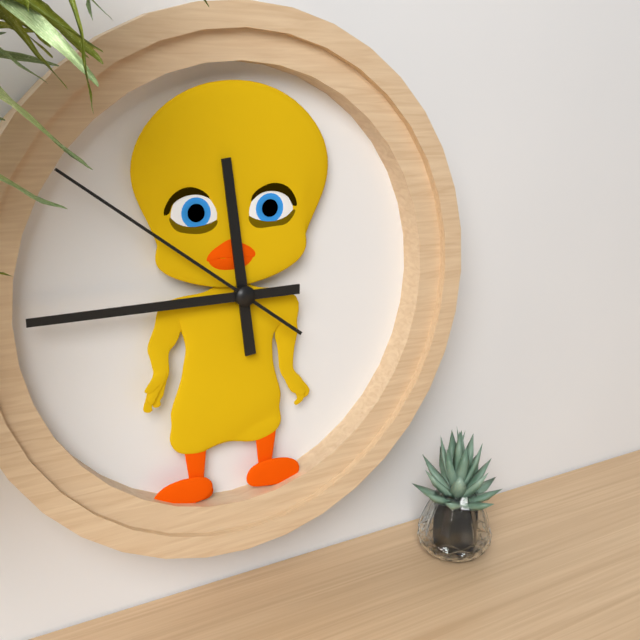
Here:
11,45,51
